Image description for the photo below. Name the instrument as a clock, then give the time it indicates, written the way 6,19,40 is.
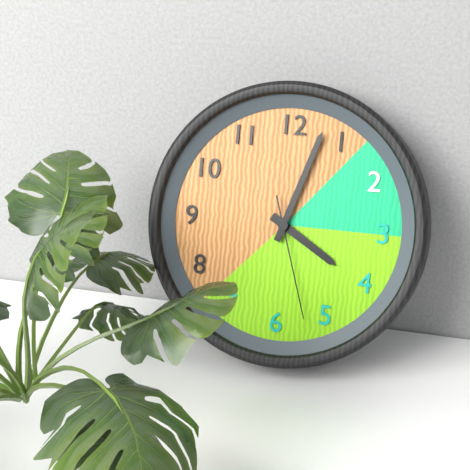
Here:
4,03,27
